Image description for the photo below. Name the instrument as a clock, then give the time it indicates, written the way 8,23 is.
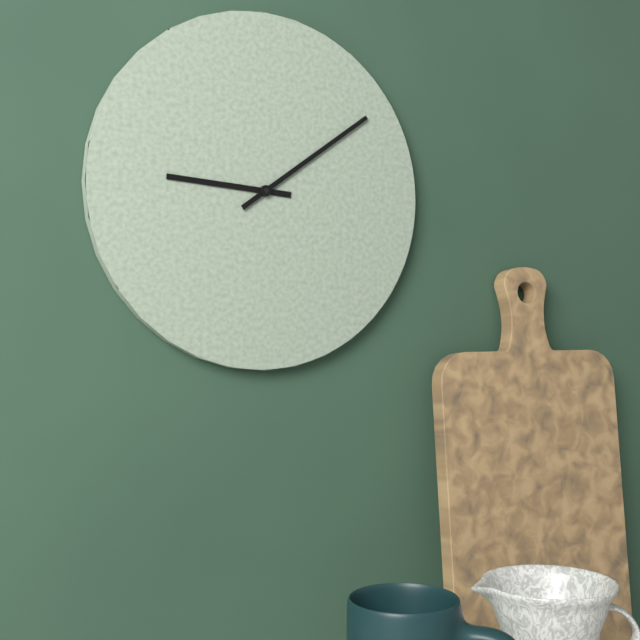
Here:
9,09
